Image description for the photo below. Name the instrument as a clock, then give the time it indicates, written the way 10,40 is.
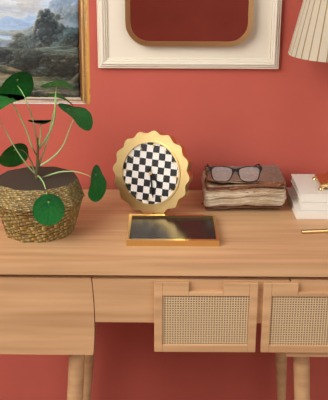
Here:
4,28
